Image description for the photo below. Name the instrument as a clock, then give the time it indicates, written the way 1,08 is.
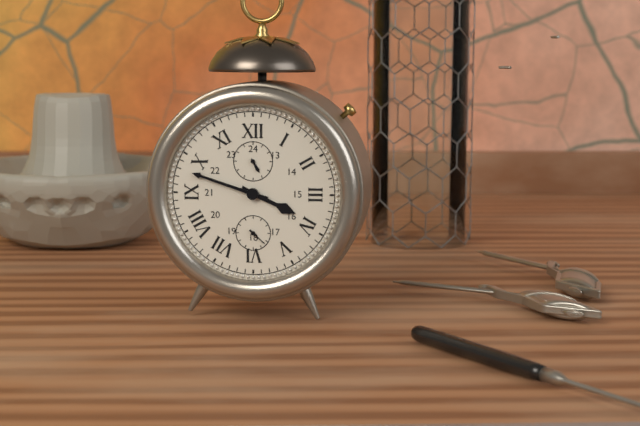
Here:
3,48
